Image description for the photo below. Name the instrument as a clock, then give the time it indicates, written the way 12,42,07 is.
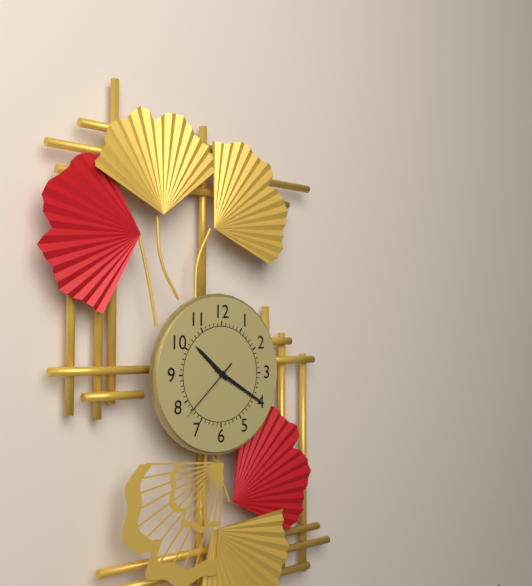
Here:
10,20,38
